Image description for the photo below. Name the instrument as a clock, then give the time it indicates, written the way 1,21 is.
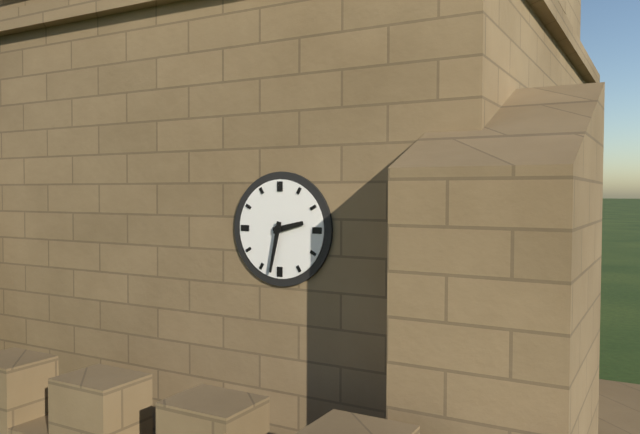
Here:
2,32
